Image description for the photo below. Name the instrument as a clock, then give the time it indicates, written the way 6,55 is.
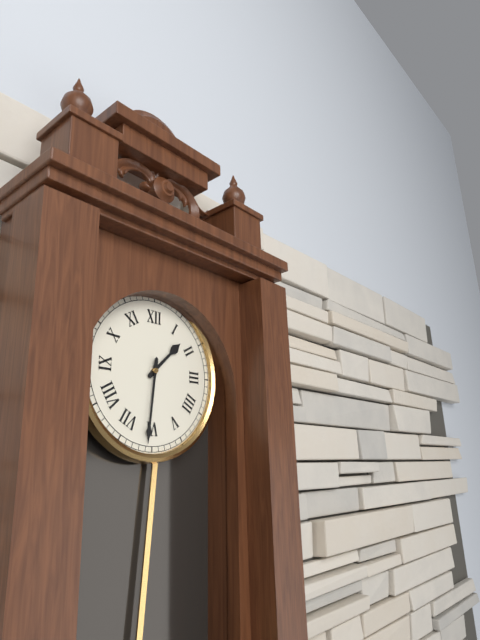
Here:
1,31
